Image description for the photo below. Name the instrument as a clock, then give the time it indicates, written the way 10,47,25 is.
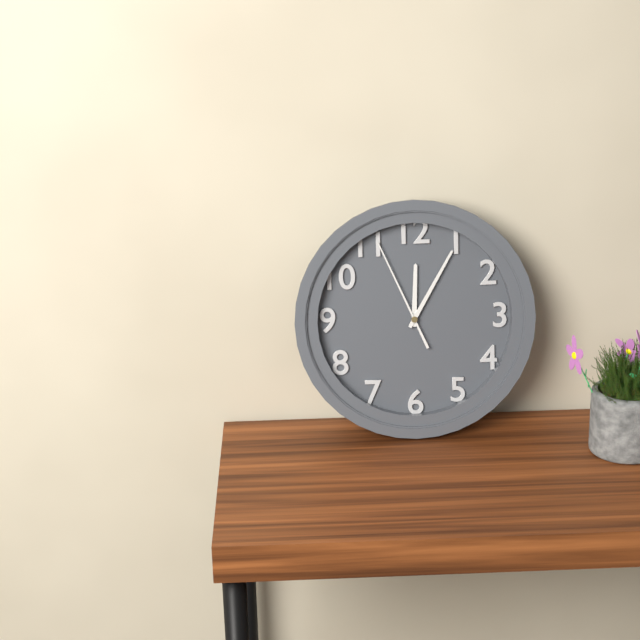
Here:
12,05,56
